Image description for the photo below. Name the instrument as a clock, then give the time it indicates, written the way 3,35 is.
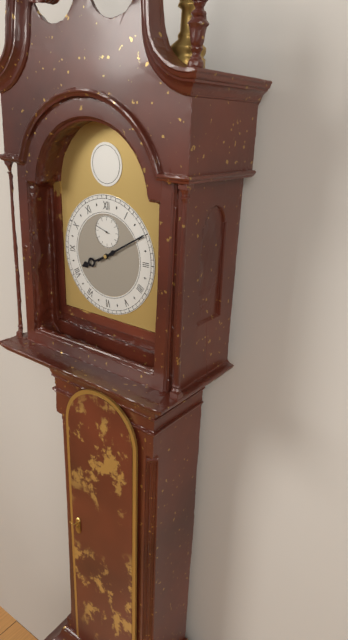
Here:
8,10
